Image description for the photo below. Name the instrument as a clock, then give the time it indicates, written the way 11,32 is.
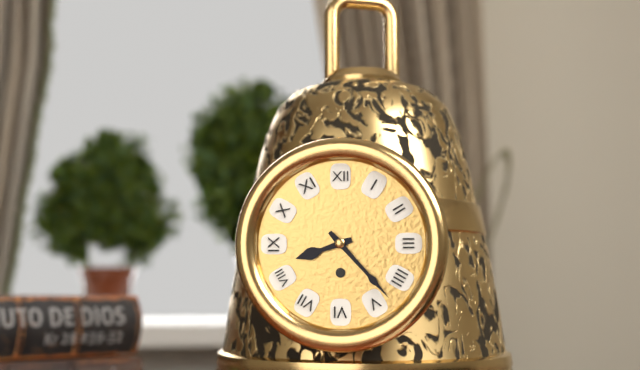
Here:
8,23
